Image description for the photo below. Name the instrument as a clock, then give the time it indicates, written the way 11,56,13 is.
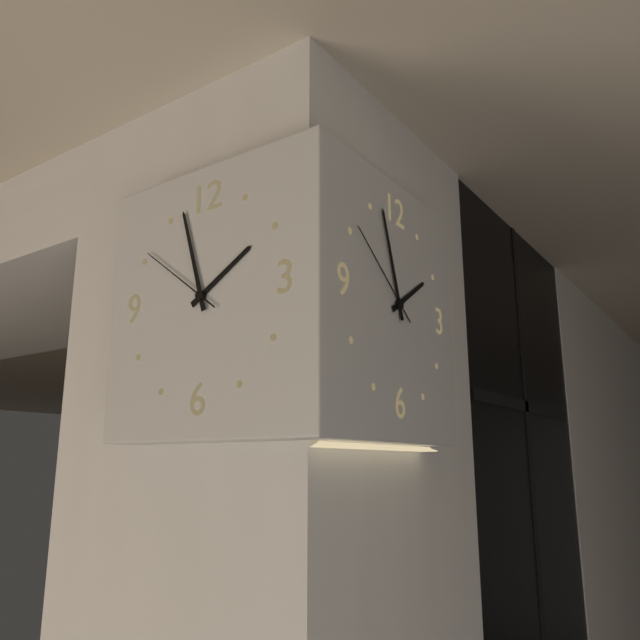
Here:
1,57,51
